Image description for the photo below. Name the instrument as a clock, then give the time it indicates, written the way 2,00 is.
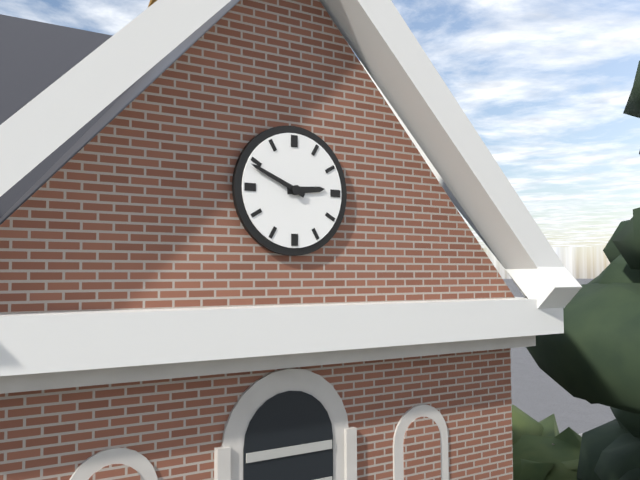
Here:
2,49
